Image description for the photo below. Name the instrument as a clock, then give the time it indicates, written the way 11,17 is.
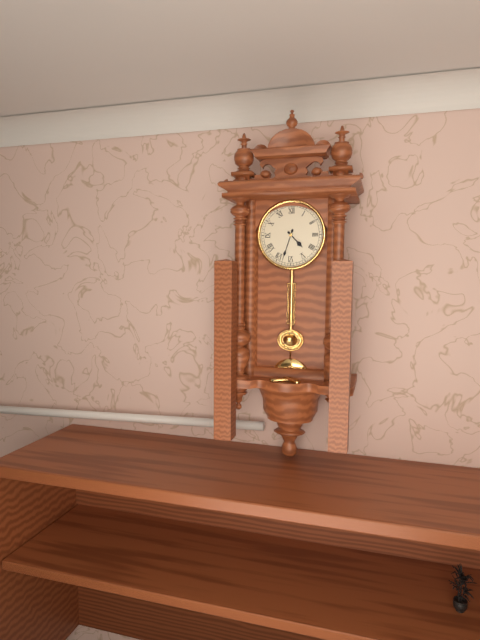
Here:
4,33
